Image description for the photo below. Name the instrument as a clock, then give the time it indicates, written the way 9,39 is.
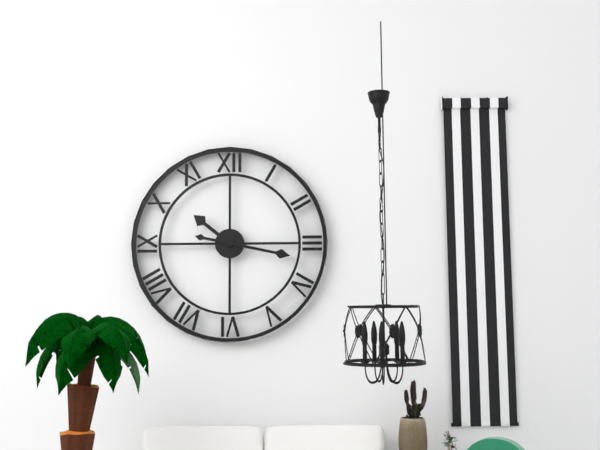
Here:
10,17
